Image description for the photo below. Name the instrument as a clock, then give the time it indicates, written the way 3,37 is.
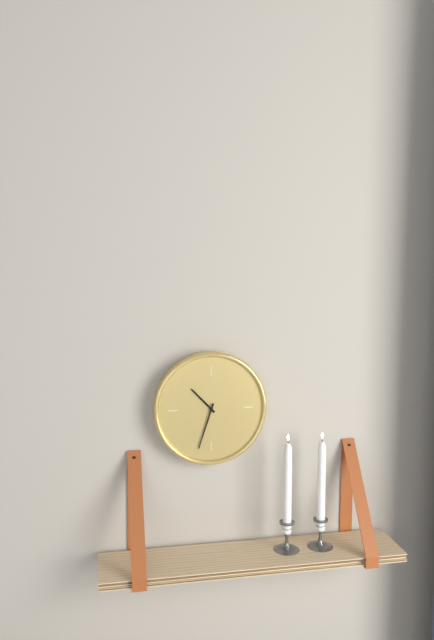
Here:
10,33
